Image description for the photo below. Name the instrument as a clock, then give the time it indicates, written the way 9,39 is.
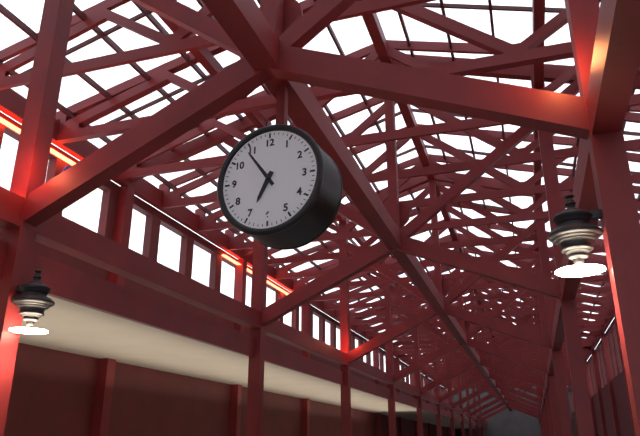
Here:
6,54
